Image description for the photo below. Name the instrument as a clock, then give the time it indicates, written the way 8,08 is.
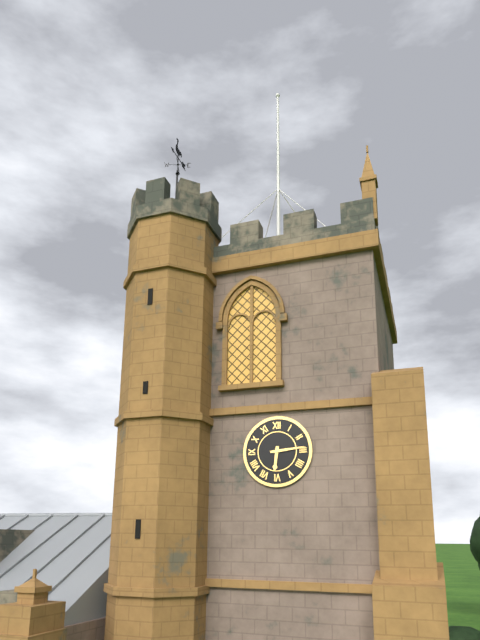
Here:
6,14
